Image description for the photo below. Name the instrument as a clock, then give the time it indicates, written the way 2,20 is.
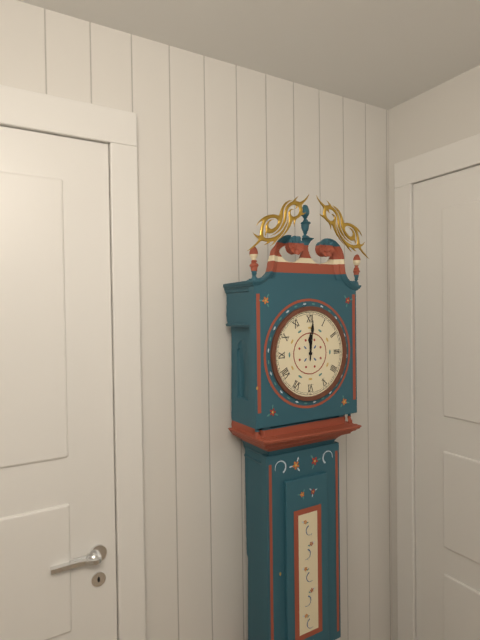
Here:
12,01
